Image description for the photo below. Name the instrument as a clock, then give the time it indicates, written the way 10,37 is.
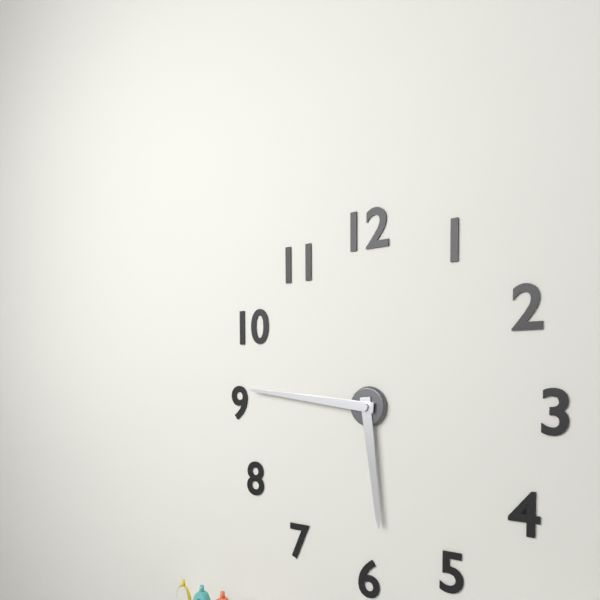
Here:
5,46
